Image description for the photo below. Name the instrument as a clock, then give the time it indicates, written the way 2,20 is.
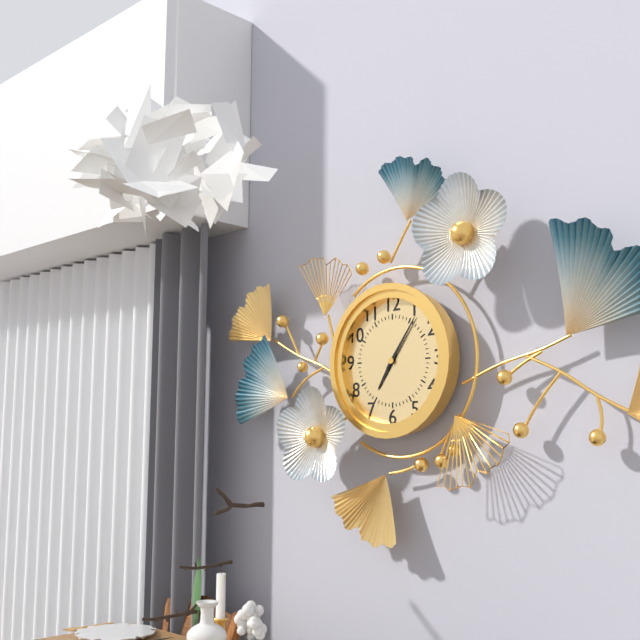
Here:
7,06
